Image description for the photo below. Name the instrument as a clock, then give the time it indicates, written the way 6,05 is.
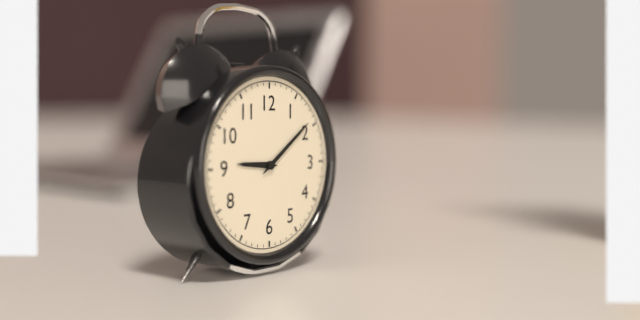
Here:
9,09
